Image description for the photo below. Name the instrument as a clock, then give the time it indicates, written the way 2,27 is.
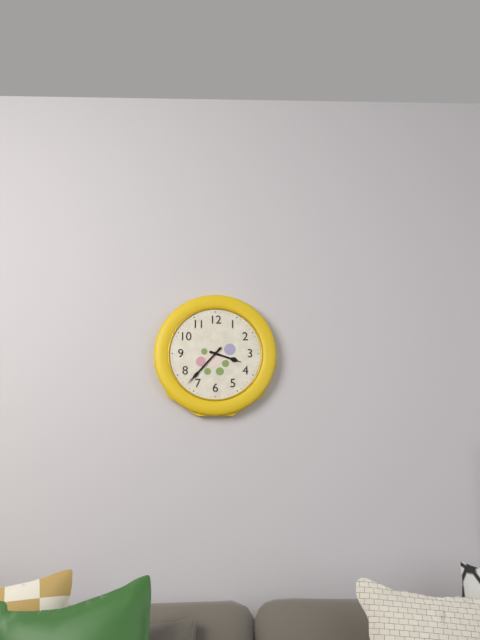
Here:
3,37
